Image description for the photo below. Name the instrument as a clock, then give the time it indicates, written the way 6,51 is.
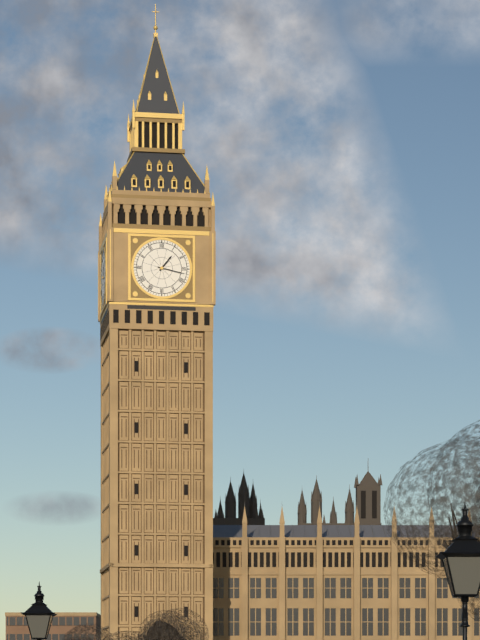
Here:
1,17
